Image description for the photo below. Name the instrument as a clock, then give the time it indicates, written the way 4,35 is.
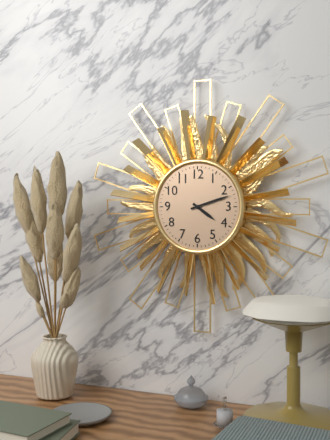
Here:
4,12
